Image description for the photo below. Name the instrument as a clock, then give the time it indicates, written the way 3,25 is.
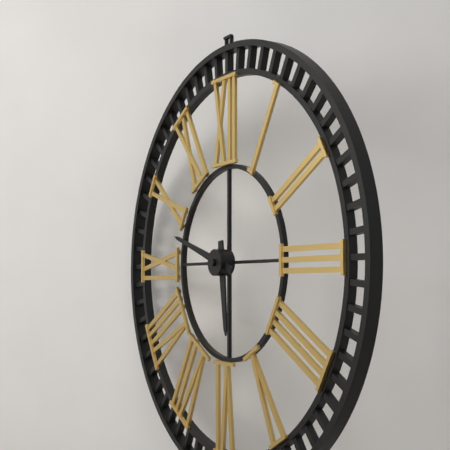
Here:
5,48
